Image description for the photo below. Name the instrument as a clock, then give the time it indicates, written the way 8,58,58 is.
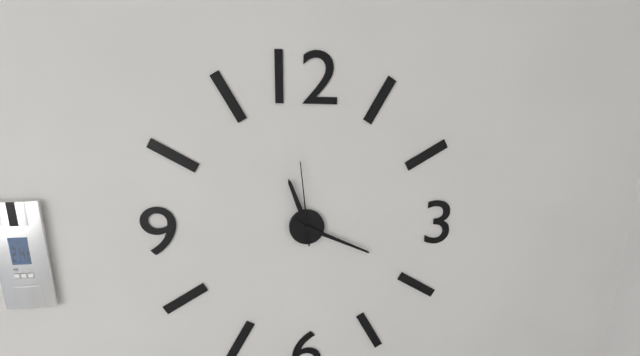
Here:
11,19,59
